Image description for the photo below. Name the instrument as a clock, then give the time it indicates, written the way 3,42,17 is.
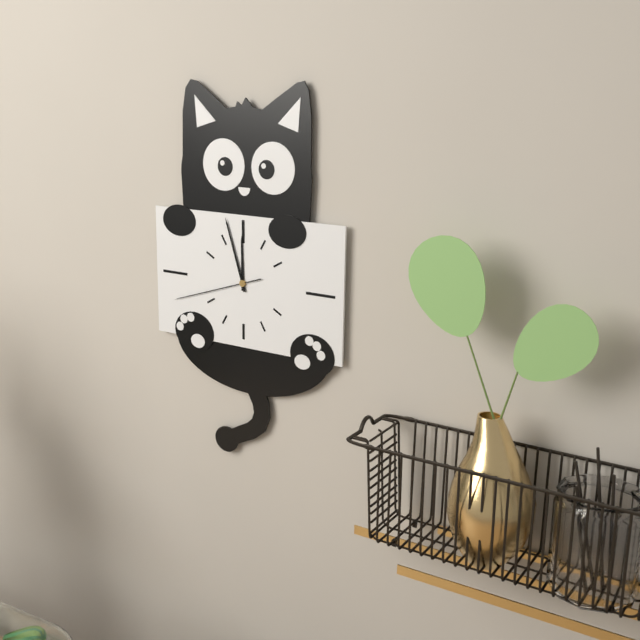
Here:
11,57,42
